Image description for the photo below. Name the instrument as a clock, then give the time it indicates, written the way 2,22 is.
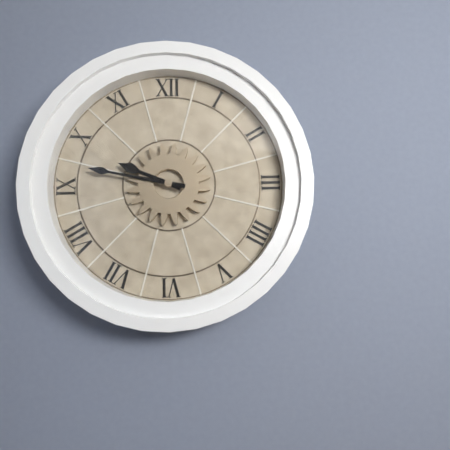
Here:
9,47
